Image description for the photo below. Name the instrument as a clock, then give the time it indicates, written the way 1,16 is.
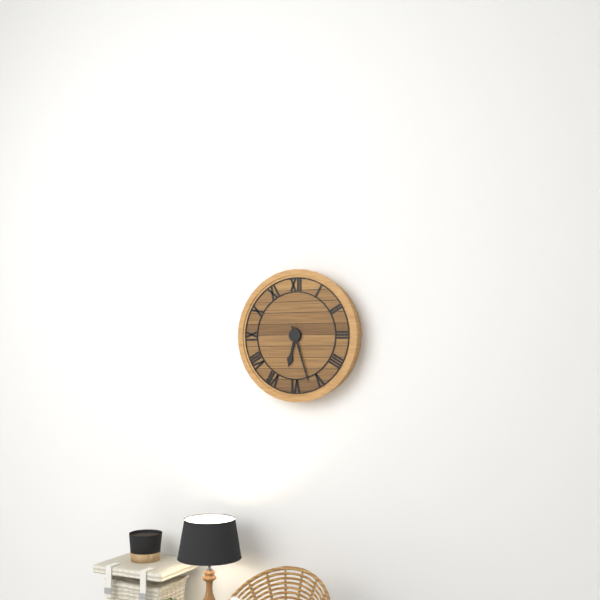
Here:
6,27
